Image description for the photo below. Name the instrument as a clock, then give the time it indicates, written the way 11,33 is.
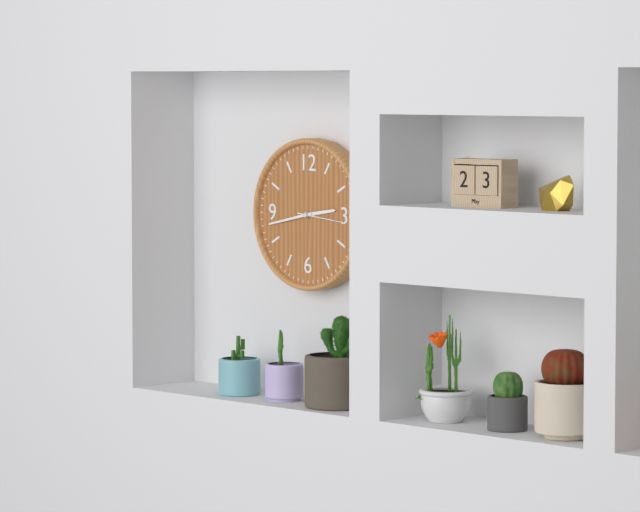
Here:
2,43
